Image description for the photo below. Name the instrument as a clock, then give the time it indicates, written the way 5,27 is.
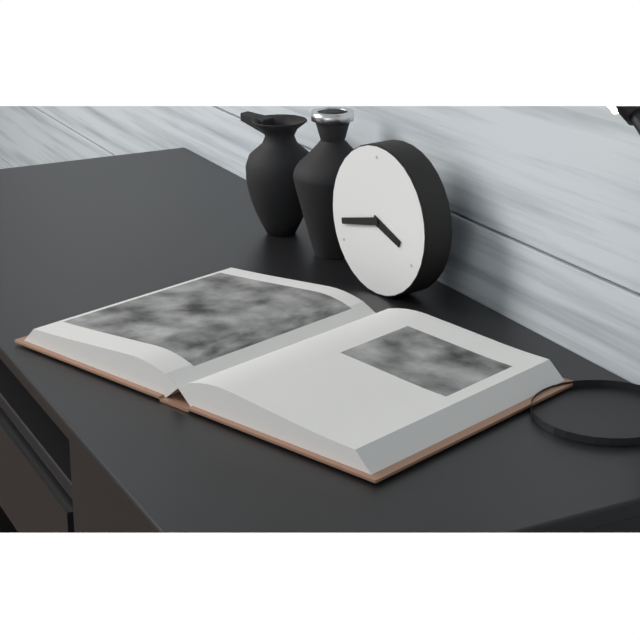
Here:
3,43
